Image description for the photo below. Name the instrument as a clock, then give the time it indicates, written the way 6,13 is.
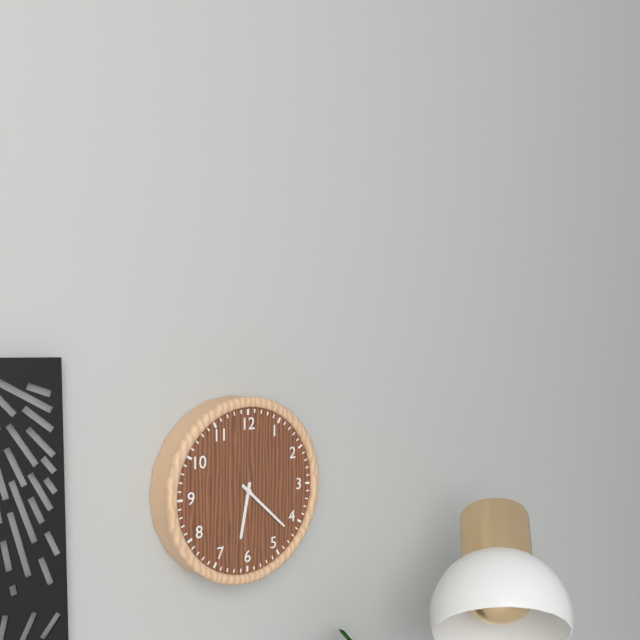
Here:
6,22
